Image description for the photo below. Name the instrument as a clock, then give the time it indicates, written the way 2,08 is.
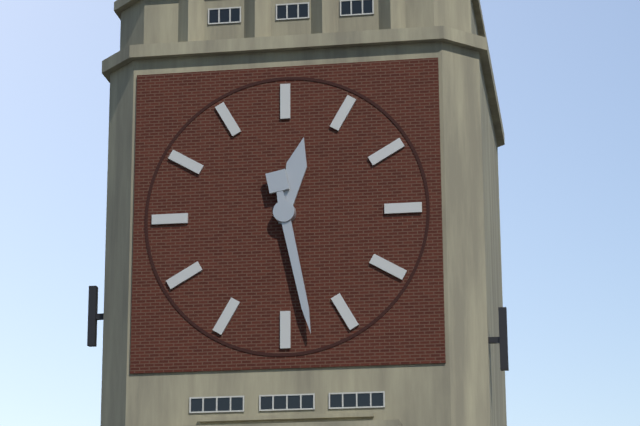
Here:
12,28
